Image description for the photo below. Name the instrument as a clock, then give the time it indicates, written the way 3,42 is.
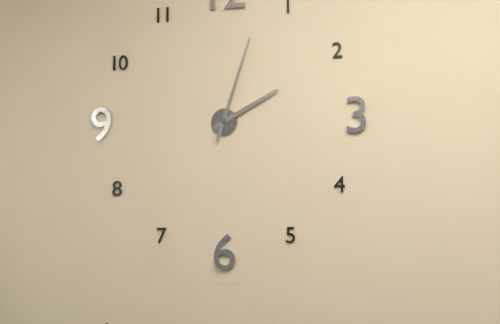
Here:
2,03
